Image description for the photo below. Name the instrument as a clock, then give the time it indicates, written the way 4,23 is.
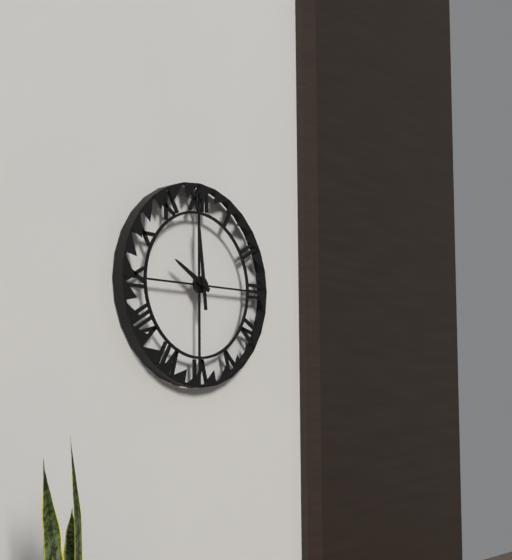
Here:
9,59
